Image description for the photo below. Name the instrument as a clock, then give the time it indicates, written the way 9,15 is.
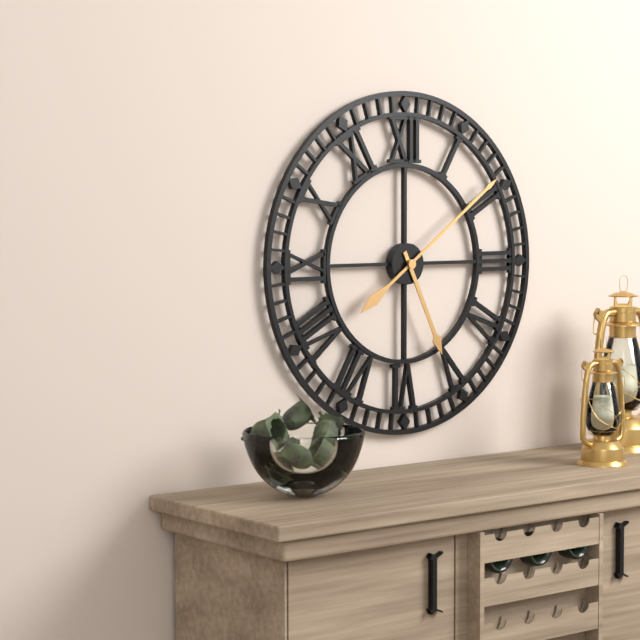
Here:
5,09
